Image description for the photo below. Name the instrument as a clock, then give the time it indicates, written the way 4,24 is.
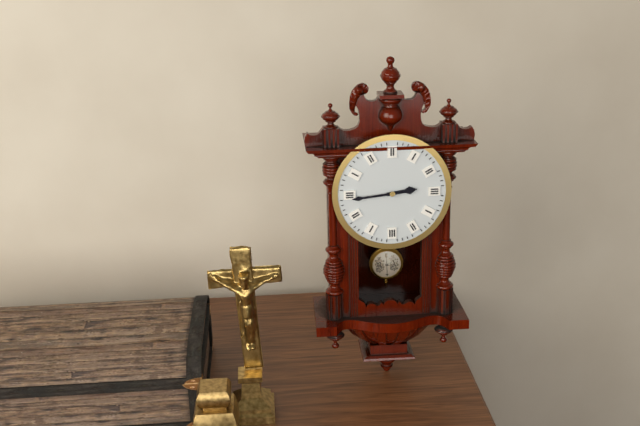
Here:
2,44
